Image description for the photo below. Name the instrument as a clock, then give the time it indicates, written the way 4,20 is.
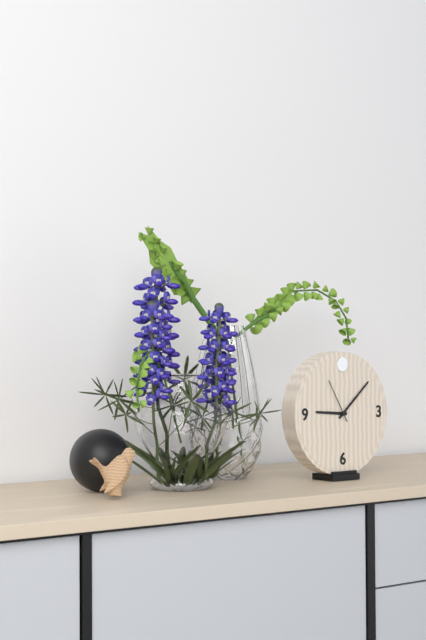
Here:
9,08
